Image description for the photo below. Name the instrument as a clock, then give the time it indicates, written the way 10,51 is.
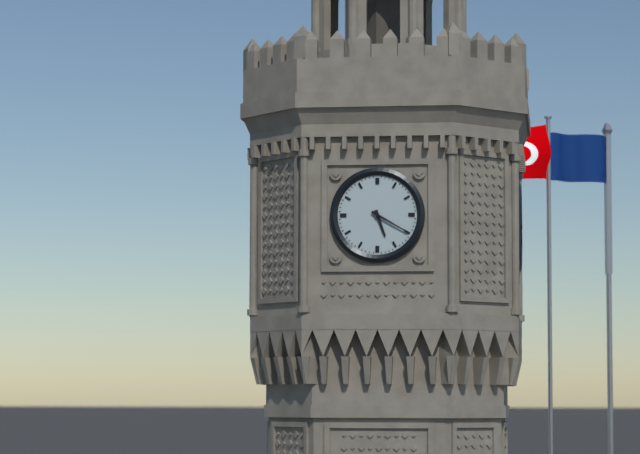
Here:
5,20
